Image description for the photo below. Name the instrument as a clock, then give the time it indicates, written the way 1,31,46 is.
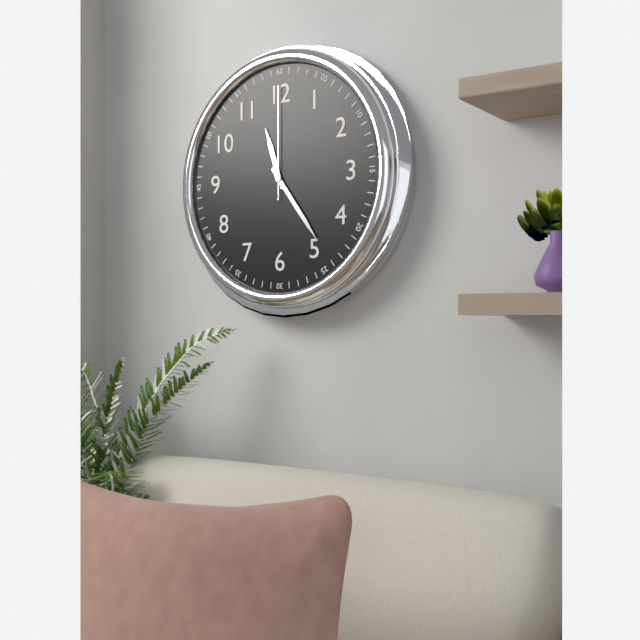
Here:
11,24,00
